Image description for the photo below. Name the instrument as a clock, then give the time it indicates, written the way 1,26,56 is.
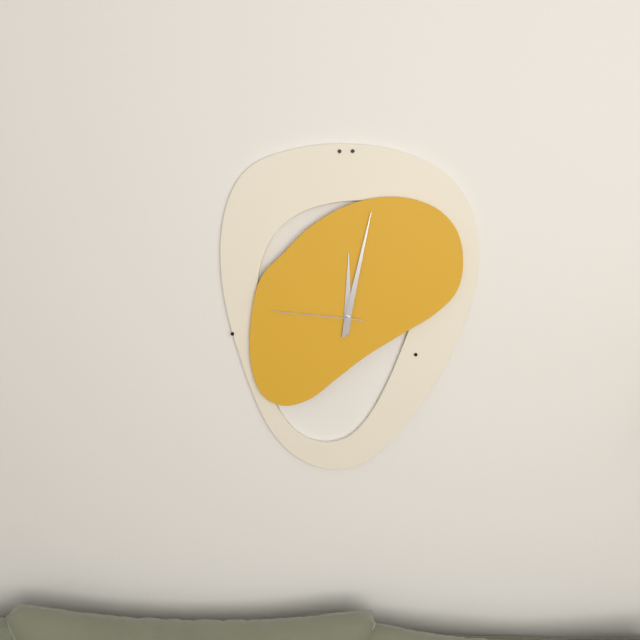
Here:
12,02,46
